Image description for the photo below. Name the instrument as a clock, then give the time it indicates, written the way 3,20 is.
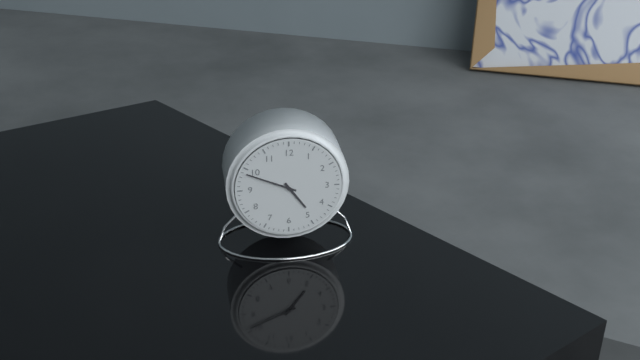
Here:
4,49
